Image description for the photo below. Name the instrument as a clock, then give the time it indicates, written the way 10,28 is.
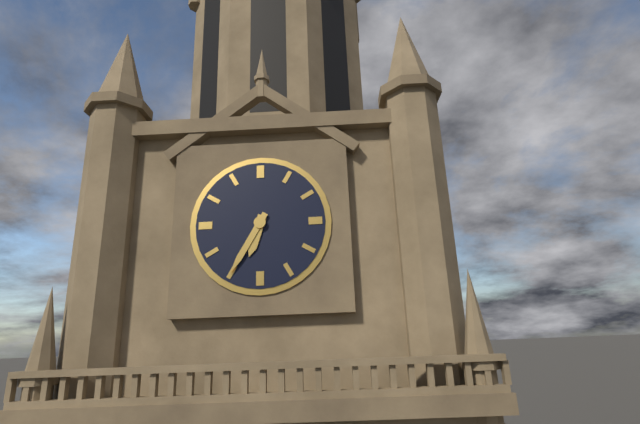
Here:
6,35
